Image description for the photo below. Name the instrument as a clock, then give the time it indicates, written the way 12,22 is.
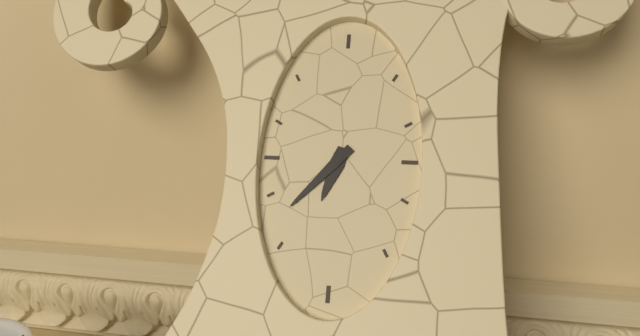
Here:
6,37
